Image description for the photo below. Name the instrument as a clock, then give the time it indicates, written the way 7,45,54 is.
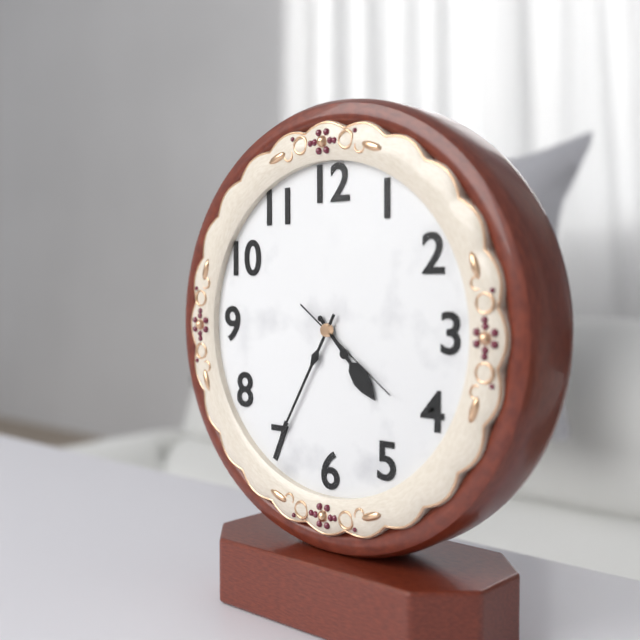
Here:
4,35,21
